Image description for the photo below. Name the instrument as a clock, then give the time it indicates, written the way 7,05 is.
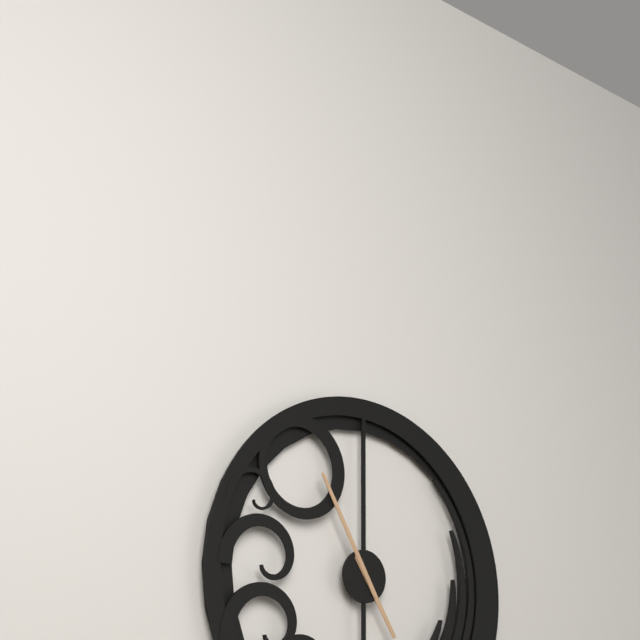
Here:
4,55
